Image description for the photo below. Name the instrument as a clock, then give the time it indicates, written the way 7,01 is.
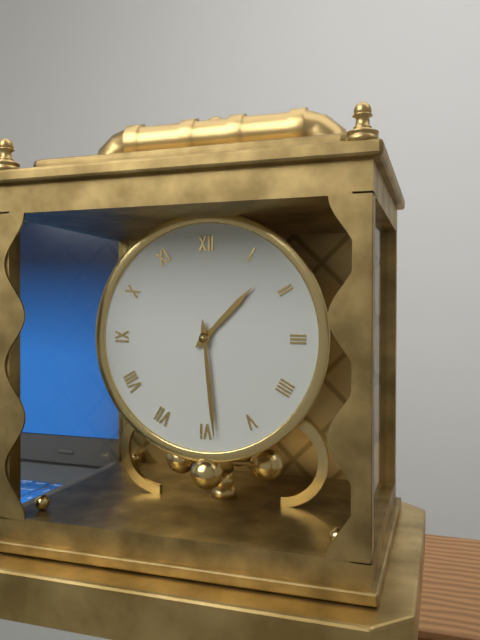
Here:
1,29
